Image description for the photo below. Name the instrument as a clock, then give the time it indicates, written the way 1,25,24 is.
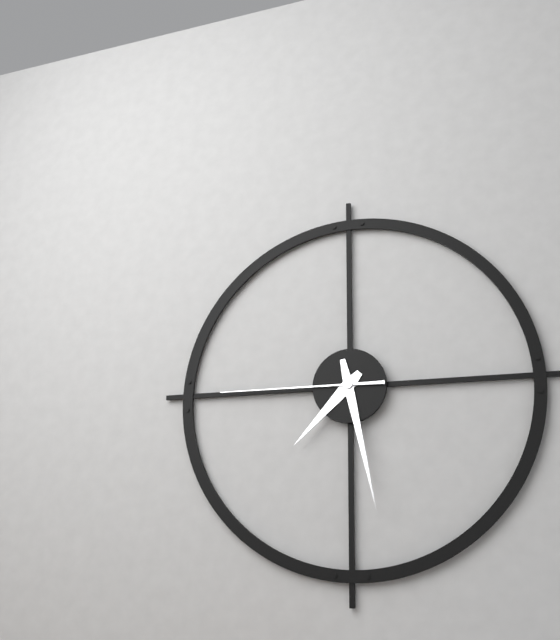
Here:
7,28,45
